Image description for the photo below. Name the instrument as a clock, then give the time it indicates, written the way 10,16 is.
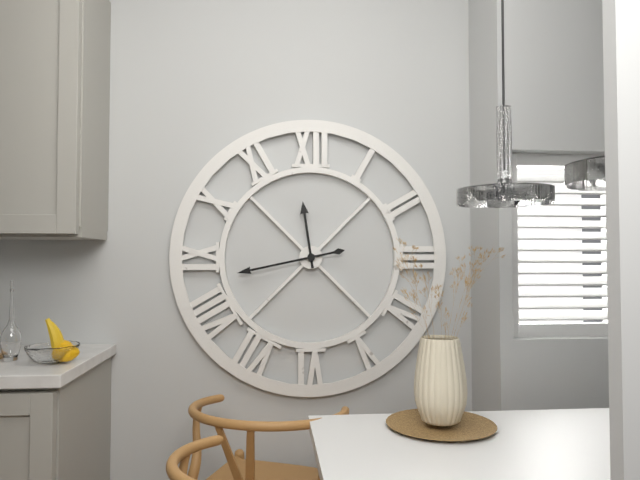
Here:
11,43
